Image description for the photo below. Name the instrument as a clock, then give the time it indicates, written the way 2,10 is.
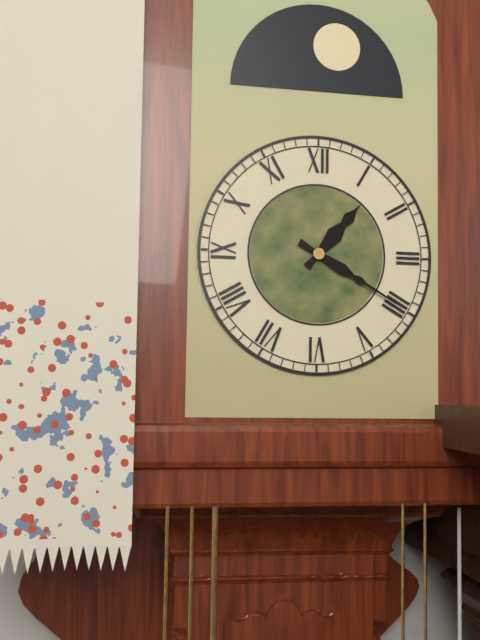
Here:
1,20
